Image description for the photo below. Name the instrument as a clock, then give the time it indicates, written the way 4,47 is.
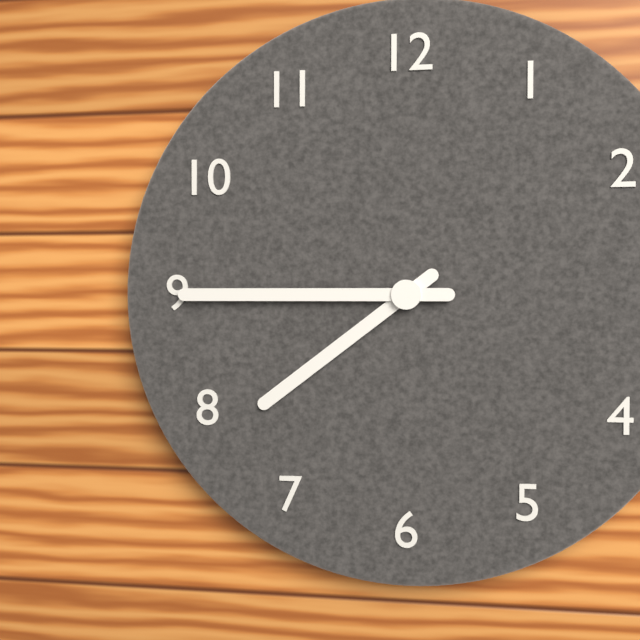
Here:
7,45
